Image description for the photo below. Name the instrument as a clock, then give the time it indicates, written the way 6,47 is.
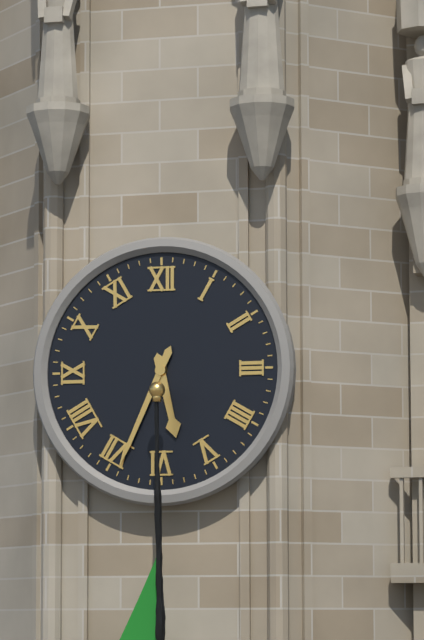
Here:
5,34
